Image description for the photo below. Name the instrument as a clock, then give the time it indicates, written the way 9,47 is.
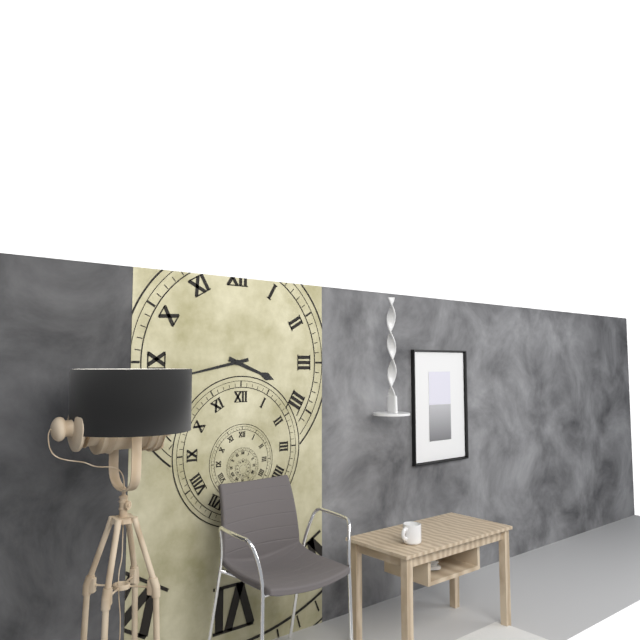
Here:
3,43
